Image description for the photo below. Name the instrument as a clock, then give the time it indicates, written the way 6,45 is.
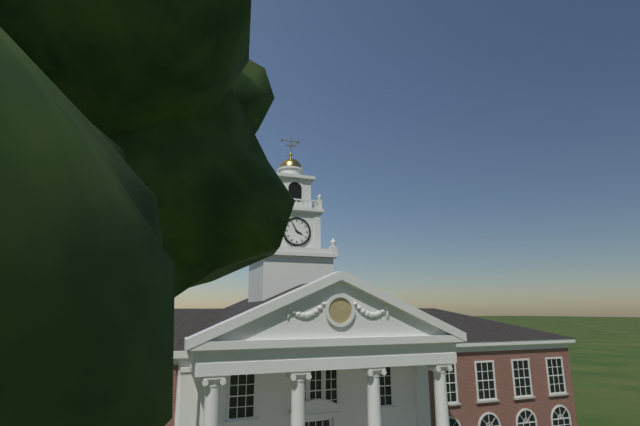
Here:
3,55
